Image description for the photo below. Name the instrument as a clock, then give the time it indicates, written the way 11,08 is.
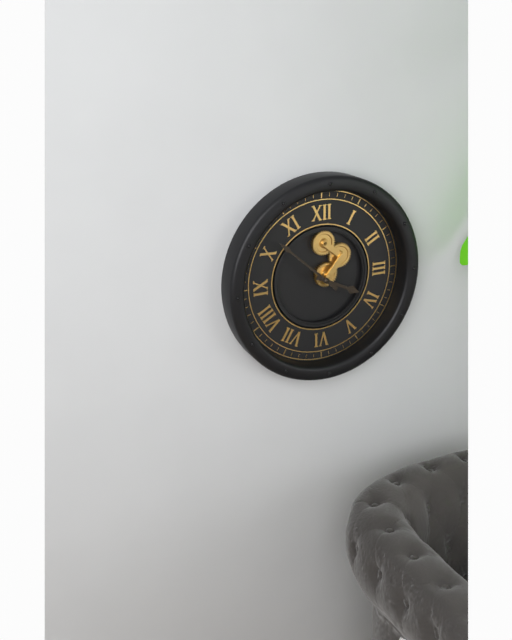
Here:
3,52
